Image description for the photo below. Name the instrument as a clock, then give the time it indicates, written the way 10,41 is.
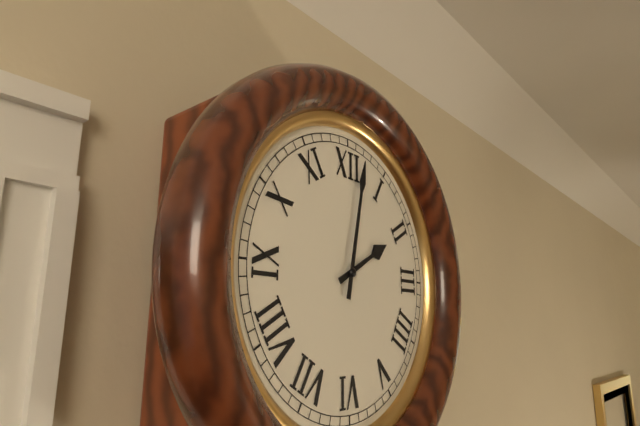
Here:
2,02
